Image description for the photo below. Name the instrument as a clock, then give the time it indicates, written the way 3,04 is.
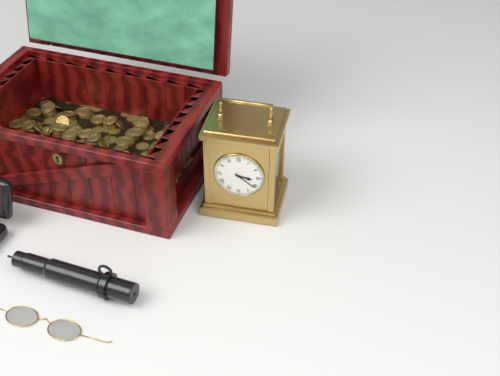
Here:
3,21
